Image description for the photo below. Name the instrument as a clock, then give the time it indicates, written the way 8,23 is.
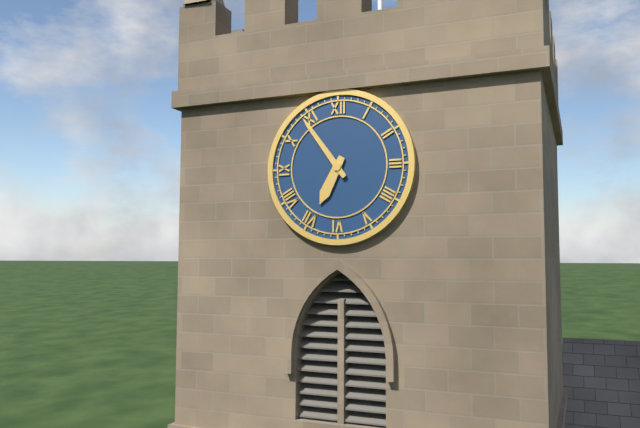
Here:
6,54
